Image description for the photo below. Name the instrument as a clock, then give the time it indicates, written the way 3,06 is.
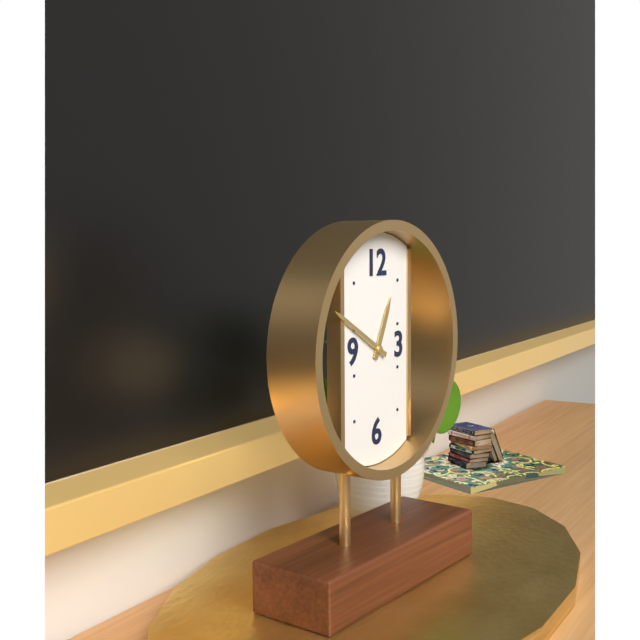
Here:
12,50
